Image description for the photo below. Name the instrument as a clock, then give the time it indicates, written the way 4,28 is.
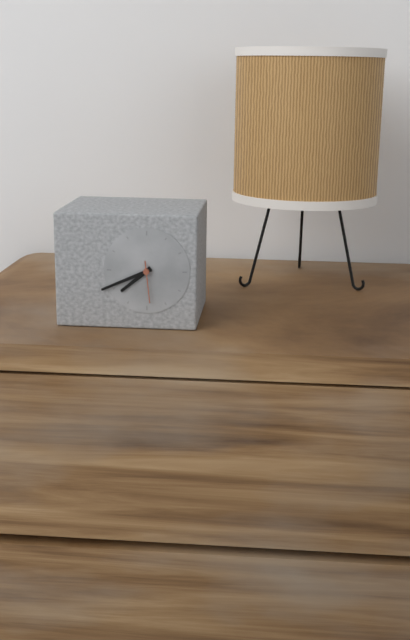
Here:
7,41
